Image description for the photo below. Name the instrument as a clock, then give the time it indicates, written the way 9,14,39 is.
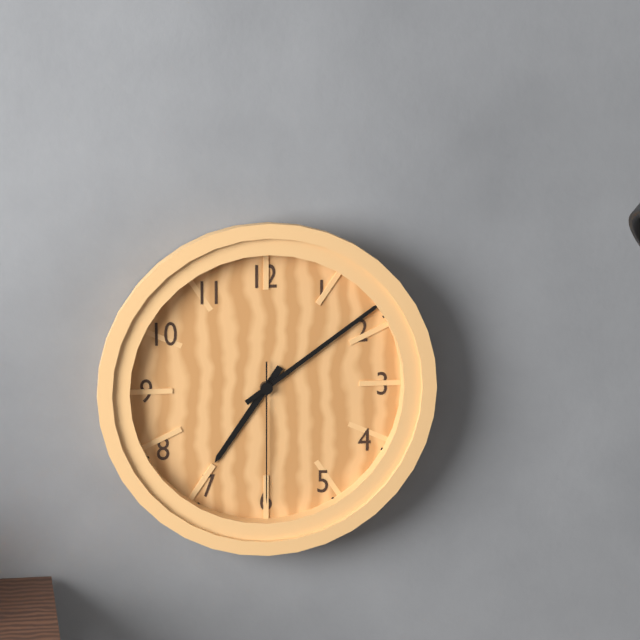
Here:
7,09,30
